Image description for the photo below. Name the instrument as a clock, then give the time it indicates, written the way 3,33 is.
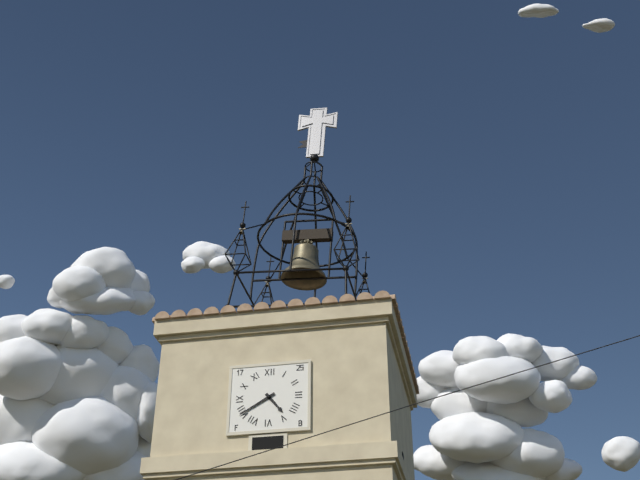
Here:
4,40
